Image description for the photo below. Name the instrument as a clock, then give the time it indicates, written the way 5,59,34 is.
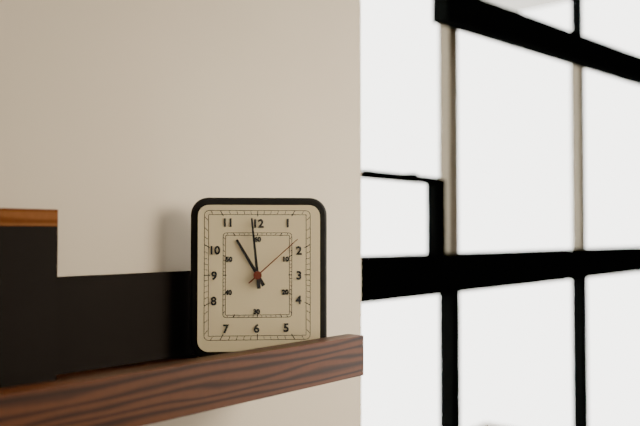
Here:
10,59,08
